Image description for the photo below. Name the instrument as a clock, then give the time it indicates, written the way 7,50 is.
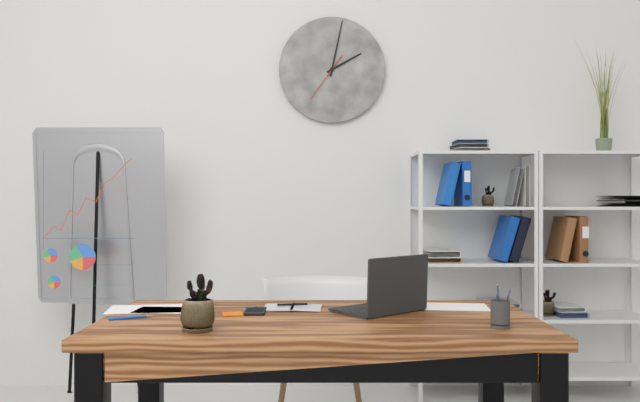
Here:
2,02
